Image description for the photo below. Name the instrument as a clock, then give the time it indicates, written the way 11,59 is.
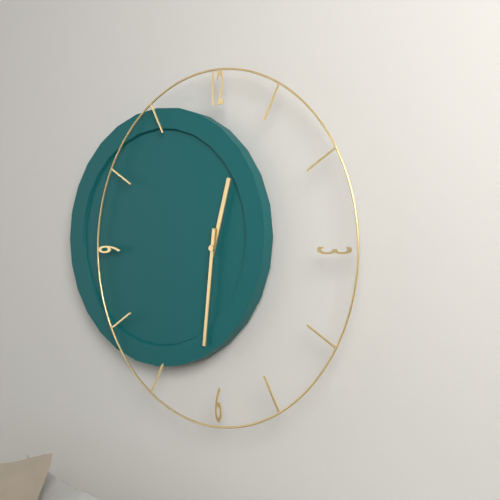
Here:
12,31
